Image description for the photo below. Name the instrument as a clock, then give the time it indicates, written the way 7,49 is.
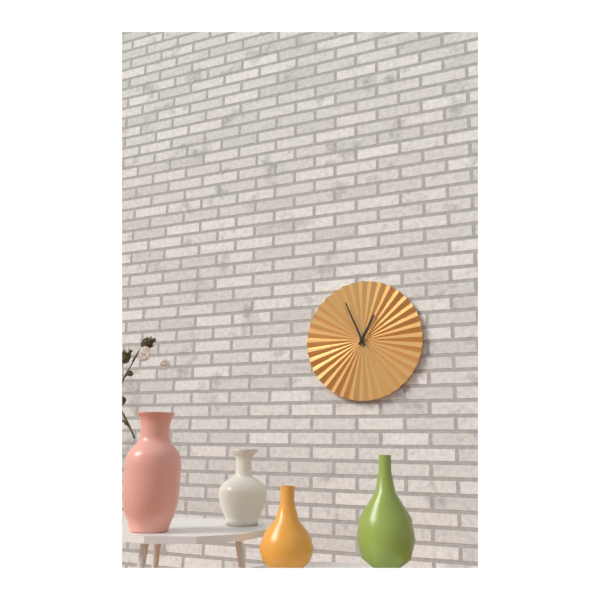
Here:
12,56
